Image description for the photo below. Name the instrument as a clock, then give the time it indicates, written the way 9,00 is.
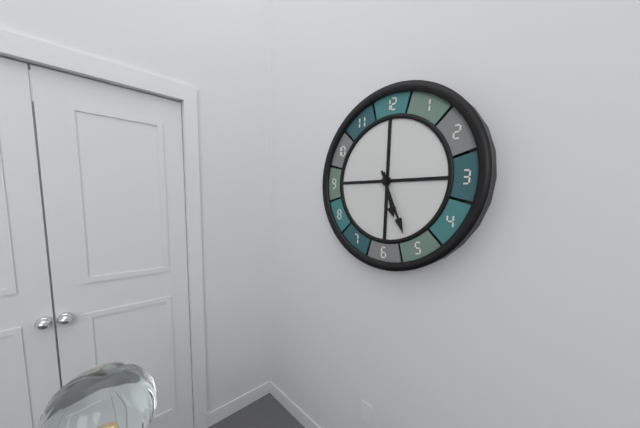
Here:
5,26
